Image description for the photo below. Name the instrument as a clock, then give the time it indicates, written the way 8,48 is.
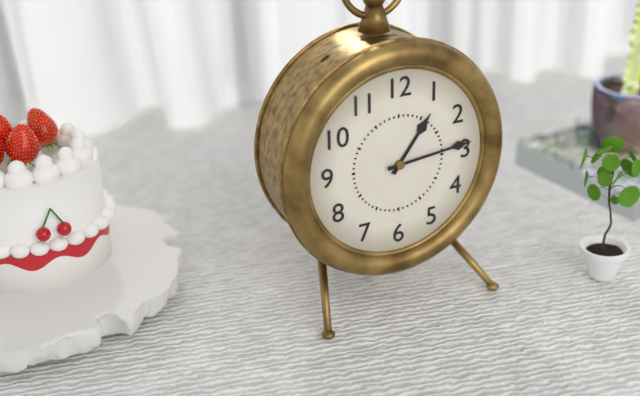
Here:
1,14
